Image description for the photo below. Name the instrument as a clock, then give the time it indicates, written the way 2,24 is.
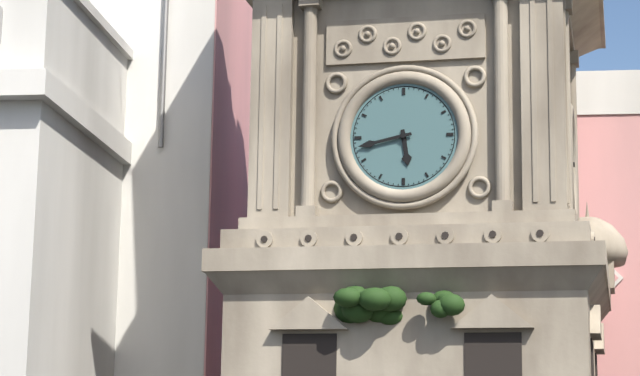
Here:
5,43
